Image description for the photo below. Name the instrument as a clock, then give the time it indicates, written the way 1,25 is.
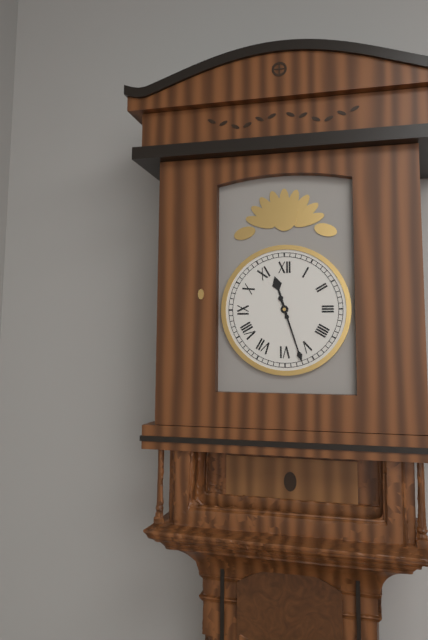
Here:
11,27
